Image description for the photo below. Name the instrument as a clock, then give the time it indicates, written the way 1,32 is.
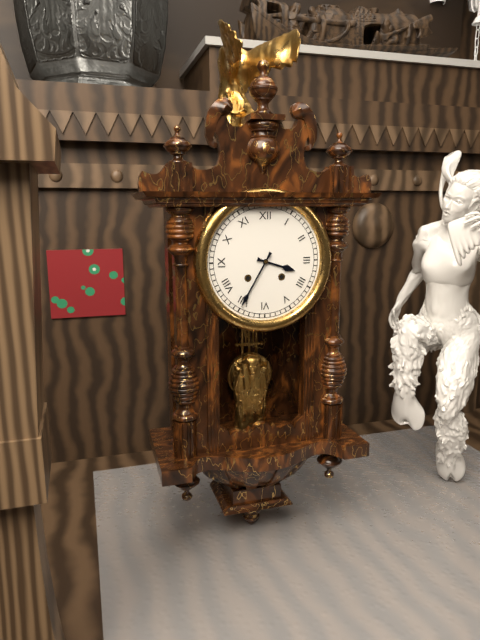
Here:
3,35
